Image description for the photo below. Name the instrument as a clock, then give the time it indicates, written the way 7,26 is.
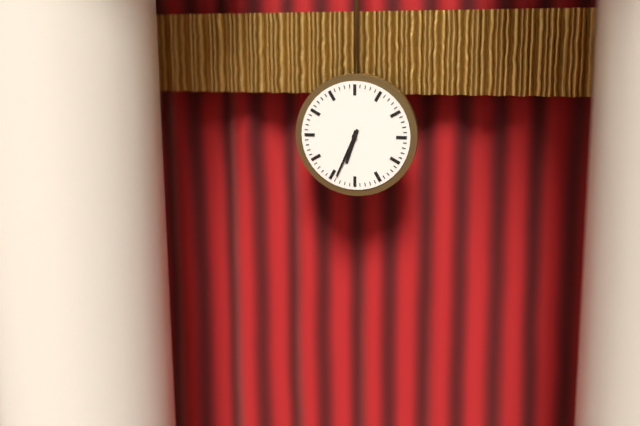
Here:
6,34
